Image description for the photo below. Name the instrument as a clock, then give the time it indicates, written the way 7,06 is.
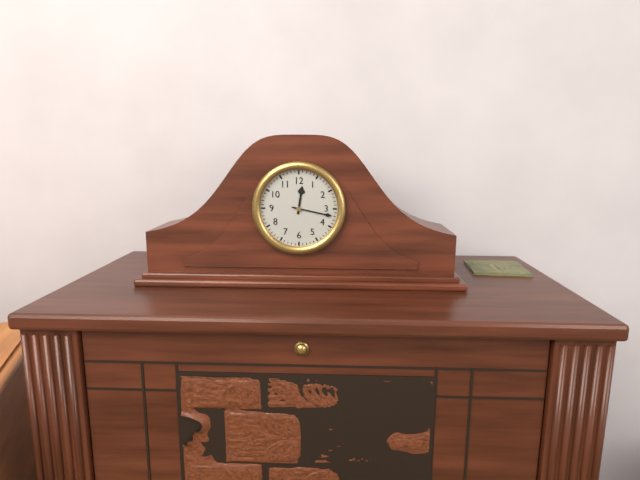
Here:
12,17
